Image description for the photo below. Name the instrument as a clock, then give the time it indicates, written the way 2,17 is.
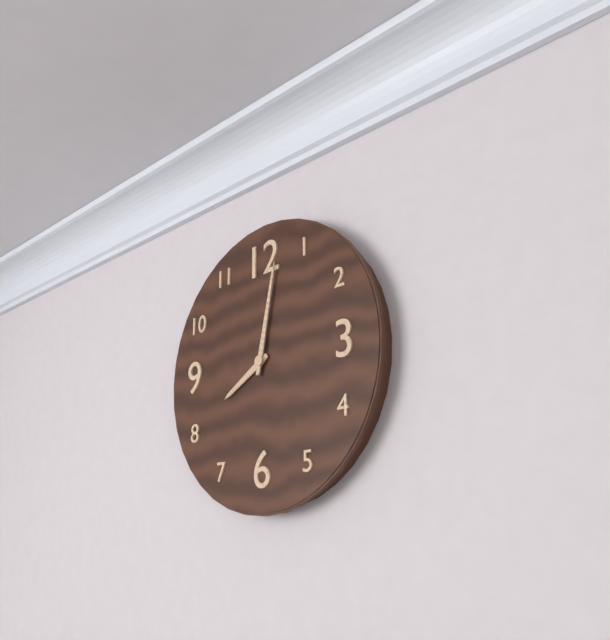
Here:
8,02
